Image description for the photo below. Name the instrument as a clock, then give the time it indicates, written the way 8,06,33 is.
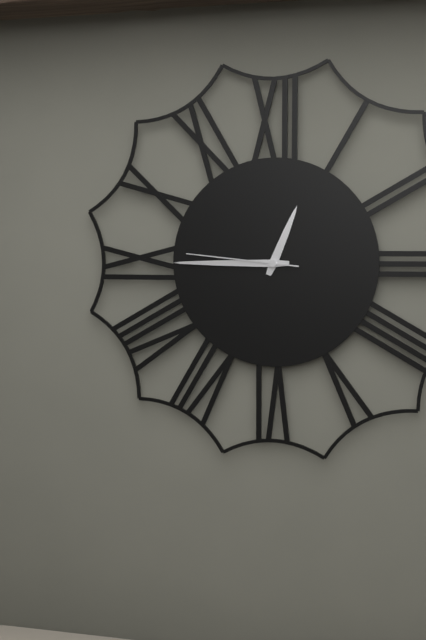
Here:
12,45,46
